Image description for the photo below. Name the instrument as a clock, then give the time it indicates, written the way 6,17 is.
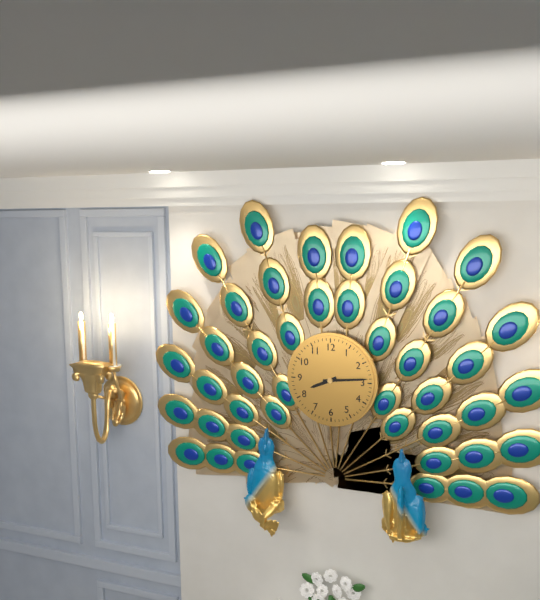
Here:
8,14
